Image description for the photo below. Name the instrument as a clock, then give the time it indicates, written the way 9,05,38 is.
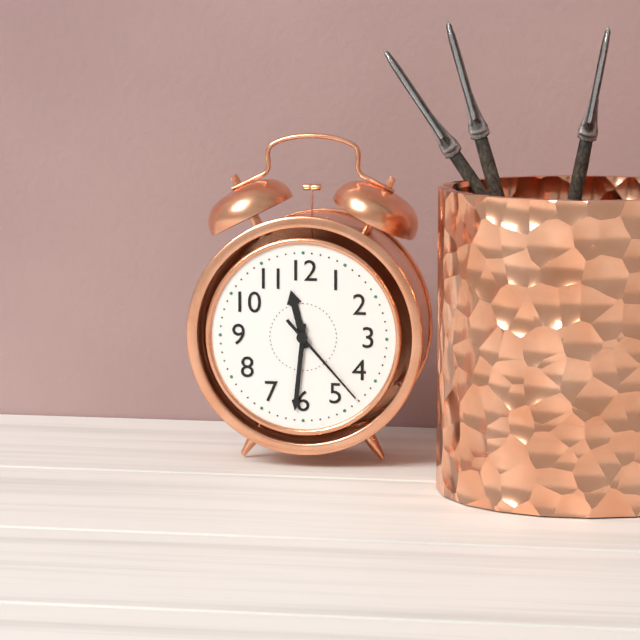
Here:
11,31,23
